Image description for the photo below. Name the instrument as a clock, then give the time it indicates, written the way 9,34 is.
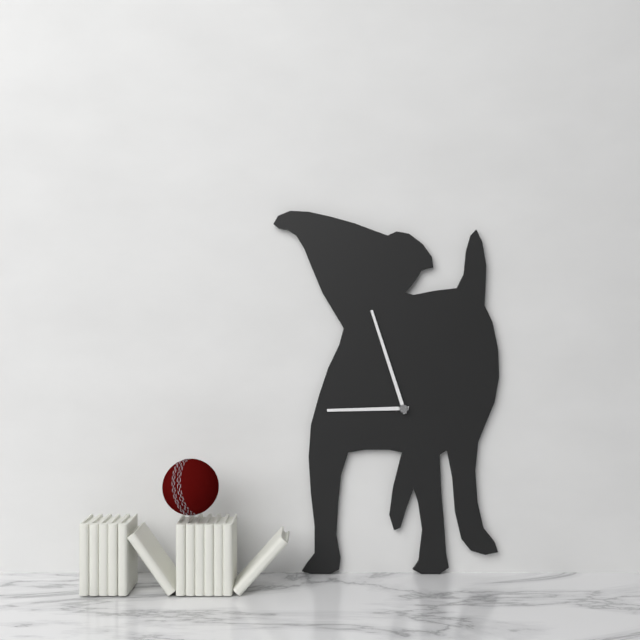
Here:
8,57
